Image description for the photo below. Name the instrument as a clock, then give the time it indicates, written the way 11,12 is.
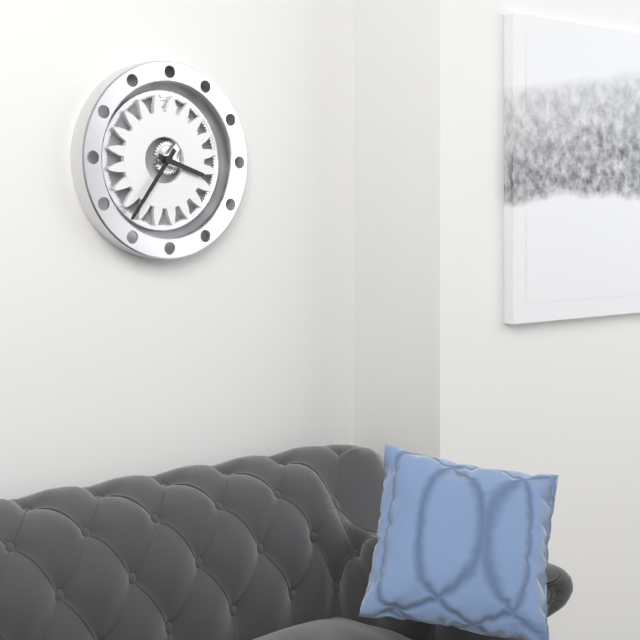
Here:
3,36
